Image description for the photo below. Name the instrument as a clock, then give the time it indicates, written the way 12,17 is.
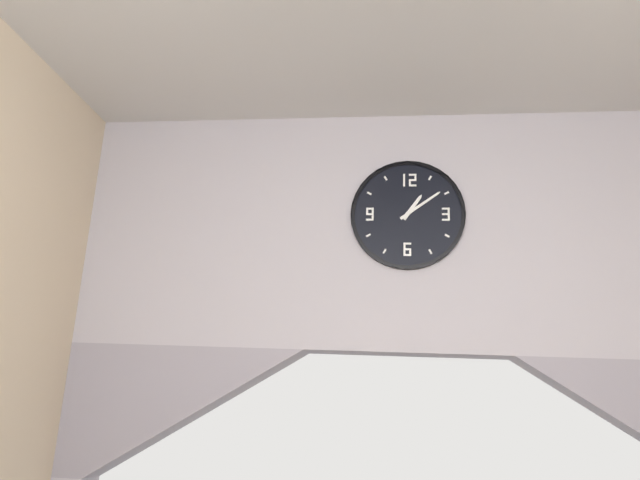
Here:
1,09
